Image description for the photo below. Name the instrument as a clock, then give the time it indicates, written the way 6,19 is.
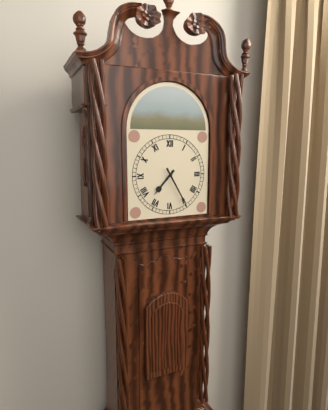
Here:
7,25
